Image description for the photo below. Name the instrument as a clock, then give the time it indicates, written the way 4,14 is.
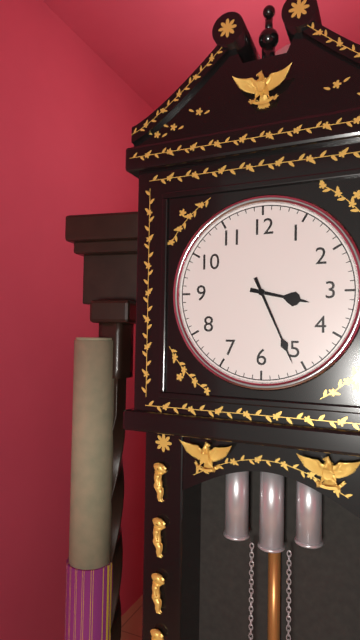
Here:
3,26
